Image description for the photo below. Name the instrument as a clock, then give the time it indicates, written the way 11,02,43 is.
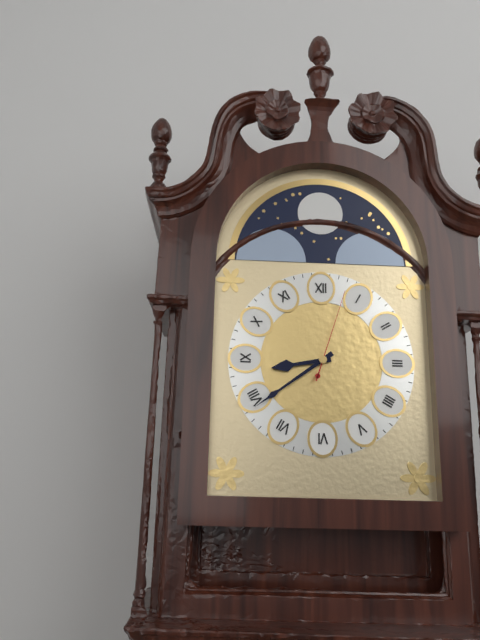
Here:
8,39,03
